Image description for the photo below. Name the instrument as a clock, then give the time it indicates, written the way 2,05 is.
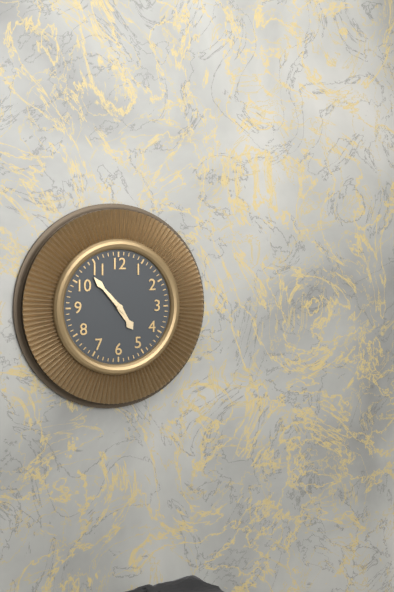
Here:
4,53
